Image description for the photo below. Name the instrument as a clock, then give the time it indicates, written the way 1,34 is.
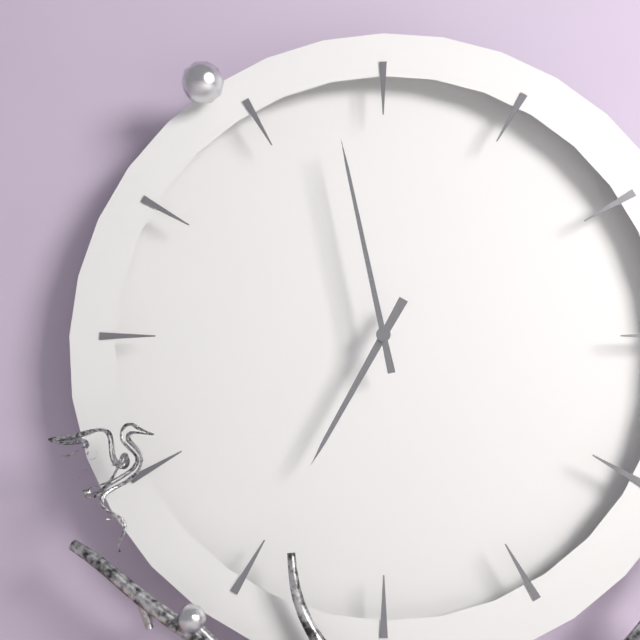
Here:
6,58
